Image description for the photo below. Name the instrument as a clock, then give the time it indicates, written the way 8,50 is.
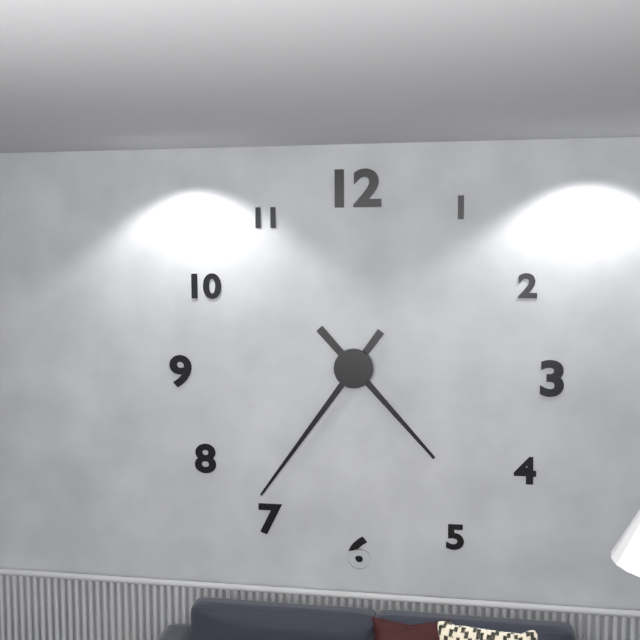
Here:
4,36
